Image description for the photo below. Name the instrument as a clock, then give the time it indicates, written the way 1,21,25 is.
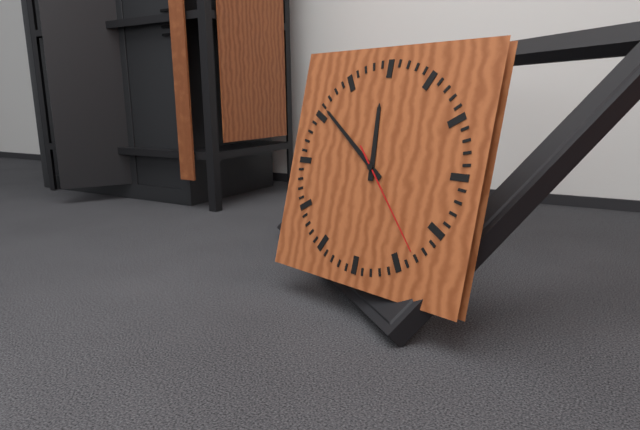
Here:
11,51,23
